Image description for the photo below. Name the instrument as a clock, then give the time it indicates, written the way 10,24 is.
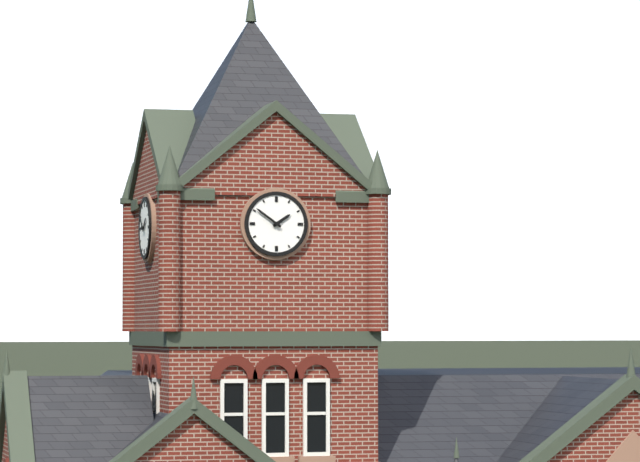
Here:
1,51
